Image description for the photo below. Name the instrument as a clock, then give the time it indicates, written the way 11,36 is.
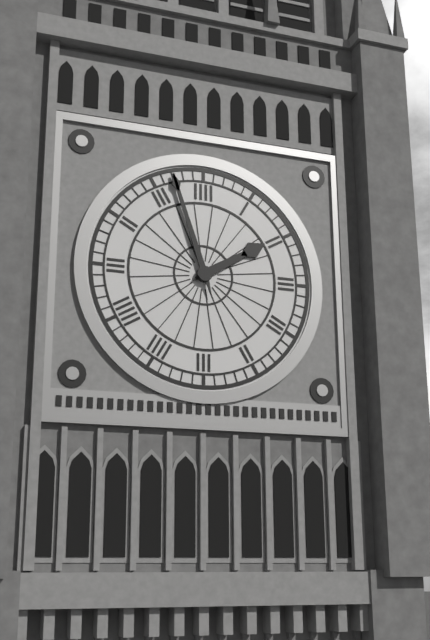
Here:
1,57
